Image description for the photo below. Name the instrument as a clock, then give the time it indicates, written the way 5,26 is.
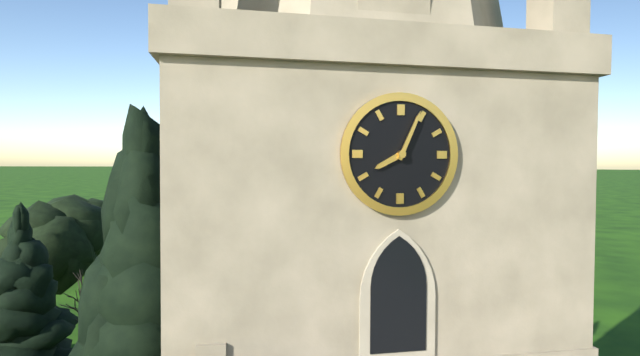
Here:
8,04
